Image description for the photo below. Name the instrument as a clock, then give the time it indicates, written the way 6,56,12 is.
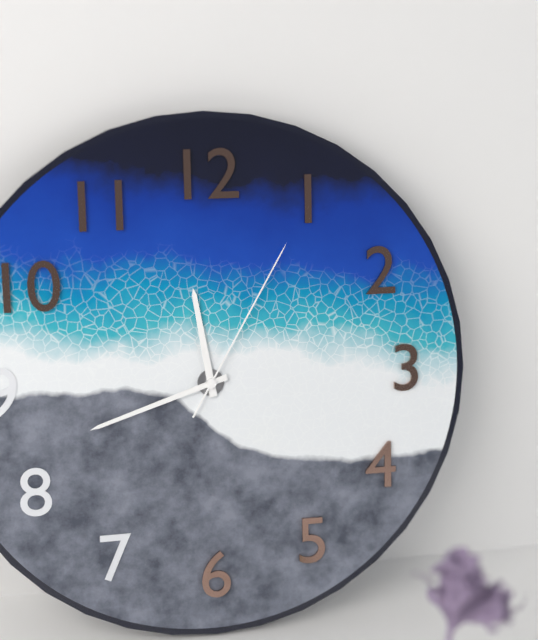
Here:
11,42,05
